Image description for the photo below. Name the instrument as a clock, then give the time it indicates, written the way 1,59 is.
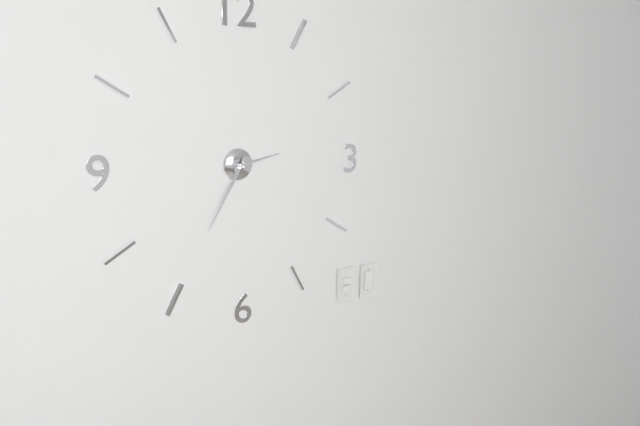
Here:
2,35
